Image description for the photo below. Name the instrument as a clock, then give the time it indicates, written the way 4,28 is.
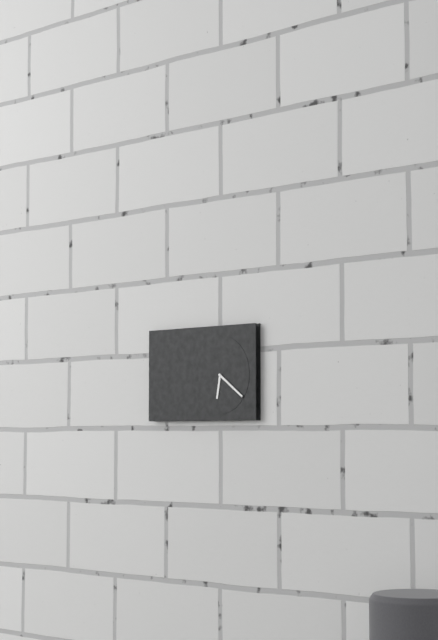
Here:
6,21
